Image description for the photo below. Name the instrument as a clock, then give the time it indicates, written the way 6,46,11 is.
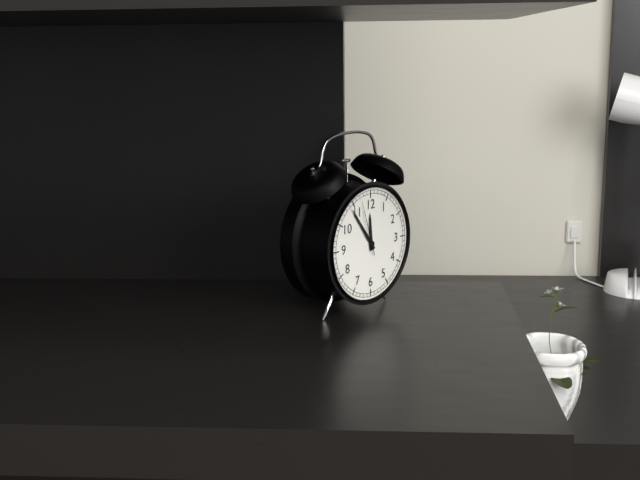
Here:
11,54,57
